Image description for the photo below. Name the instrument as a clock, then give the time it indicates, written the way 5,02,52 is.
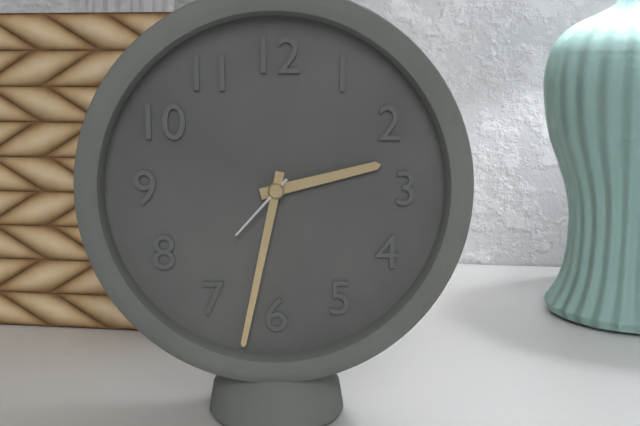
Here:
2,32,37
